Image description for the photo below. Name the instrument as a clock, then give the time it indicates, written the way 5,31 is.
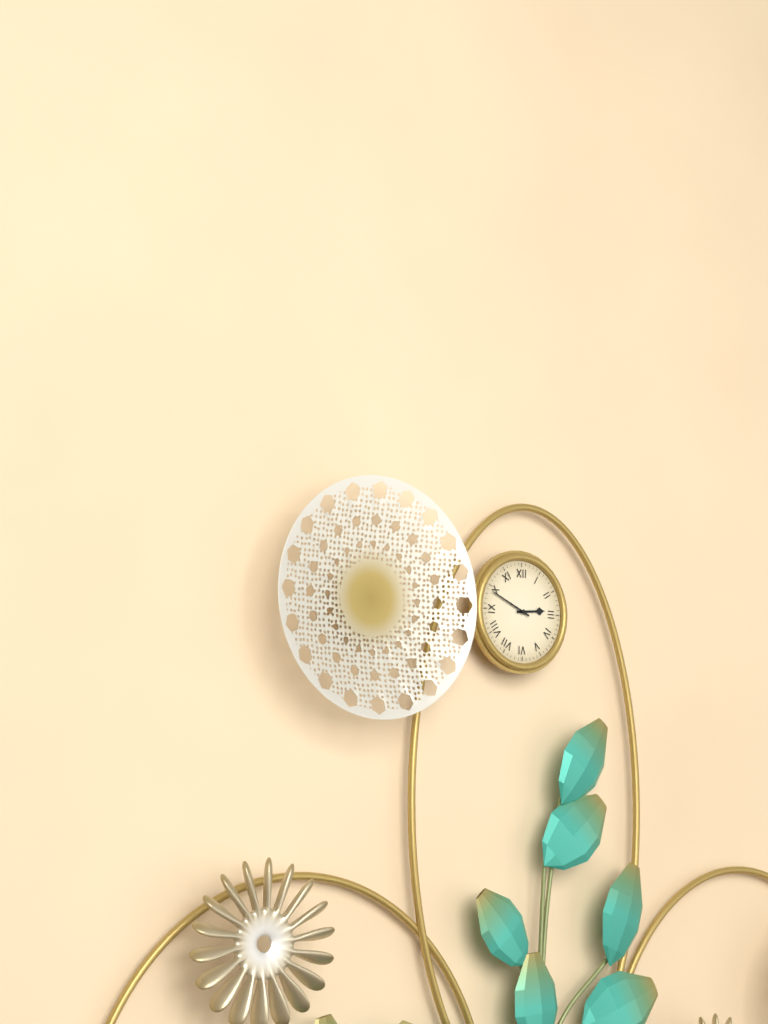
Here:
2,49
